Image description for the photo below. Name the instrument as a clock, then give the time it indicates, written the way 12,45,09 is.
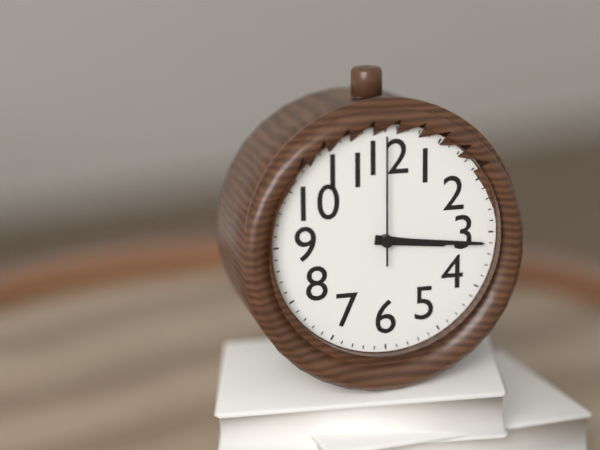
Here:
3,16,00
